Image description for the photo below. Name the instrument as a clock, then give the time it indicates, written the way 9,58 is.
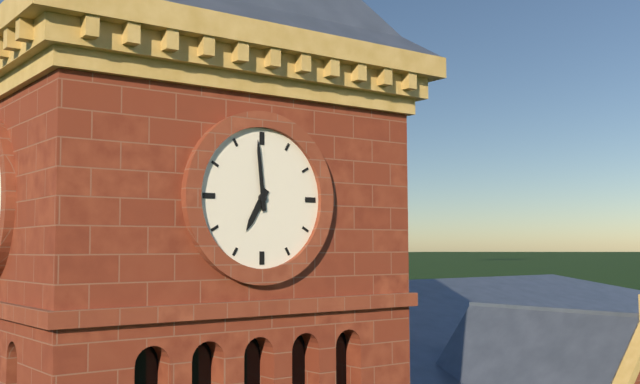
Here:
6,59
